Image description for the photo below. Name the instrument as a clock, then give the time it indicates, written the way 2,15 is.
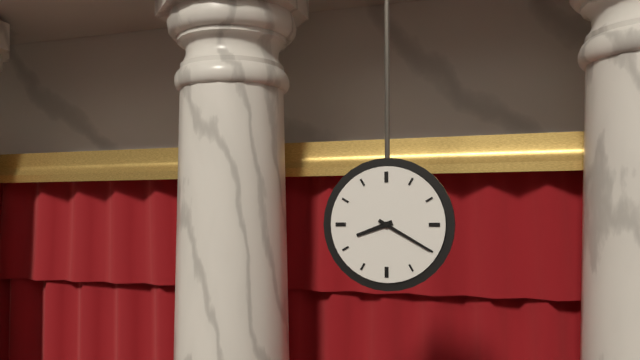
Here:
8,20
